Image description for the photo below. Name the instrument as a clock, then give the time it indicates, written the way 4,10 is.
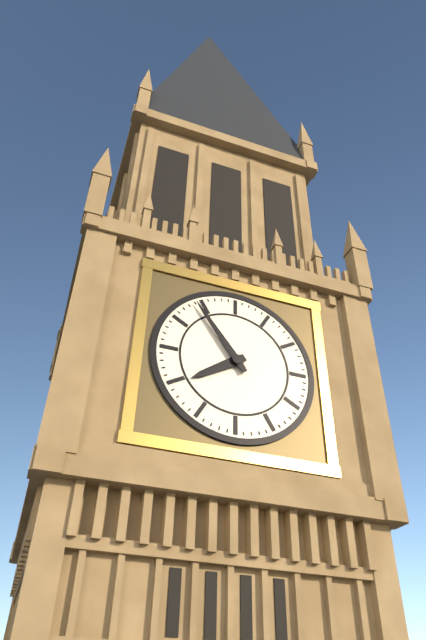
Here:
7,54
